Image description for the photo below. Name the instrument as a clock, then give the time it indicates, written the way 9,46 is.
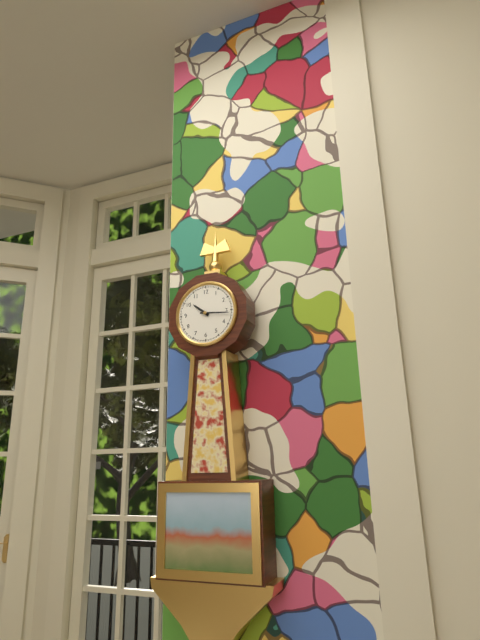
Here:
10,16
